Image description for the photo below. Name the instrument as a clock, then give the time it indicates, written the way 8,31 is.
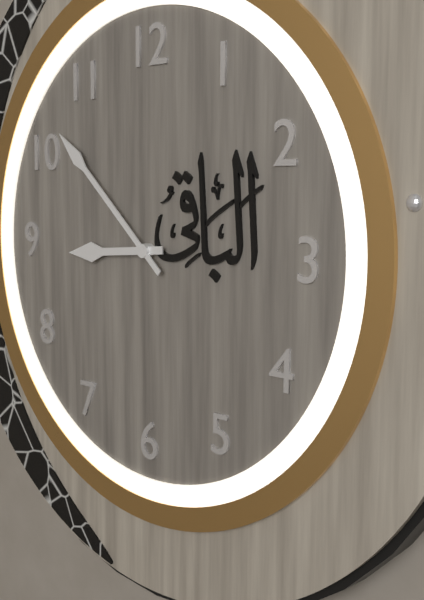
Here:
8,52
